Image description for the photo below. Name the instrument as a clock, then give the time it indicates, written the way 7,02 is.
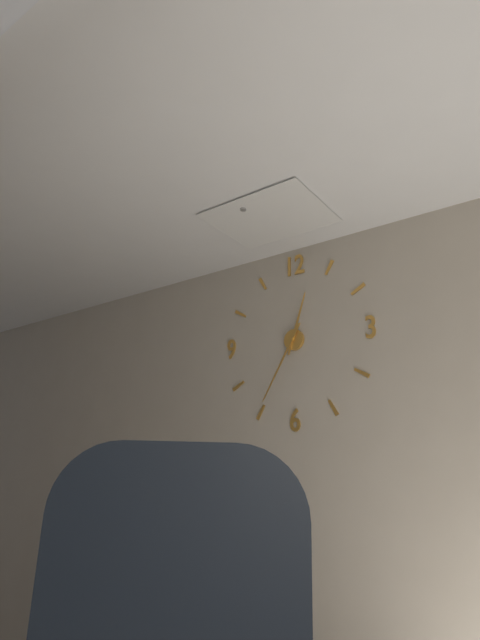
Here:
12,35
